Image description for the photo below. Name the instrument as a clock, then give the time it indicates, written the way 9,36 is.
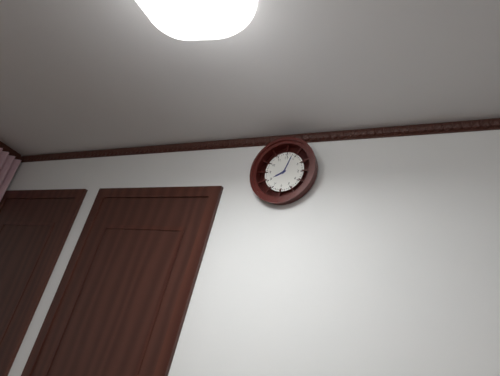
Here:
8,03
